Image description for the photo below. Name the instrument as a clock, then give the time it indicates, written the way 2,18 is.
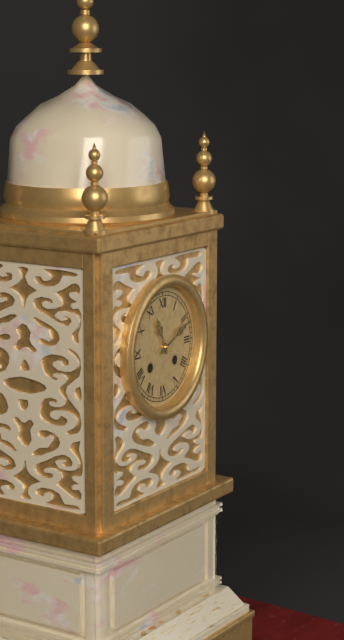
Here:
11,11
